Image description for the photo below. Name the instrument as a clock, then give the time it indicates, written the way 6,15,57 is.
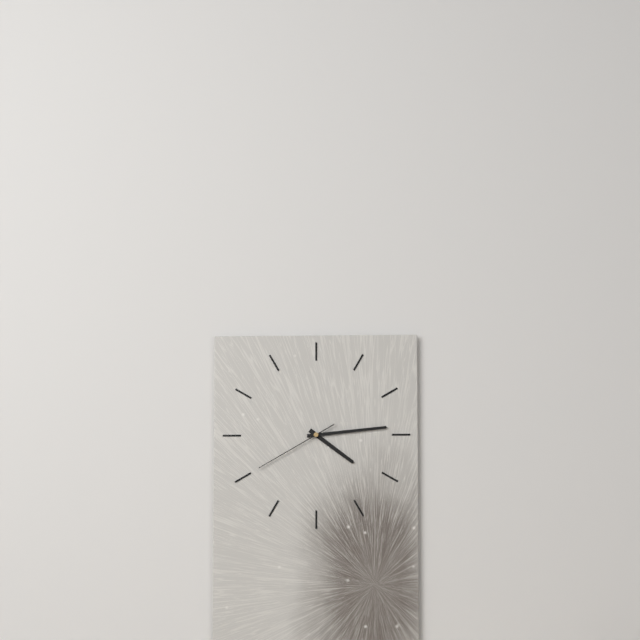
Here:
4,14,40
